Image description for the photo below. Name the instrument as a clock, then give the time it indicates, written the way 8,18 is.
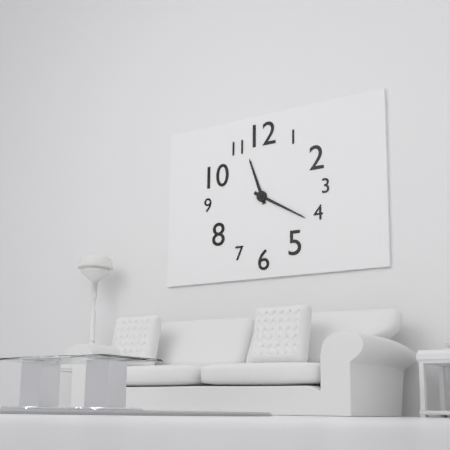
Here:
11,20
